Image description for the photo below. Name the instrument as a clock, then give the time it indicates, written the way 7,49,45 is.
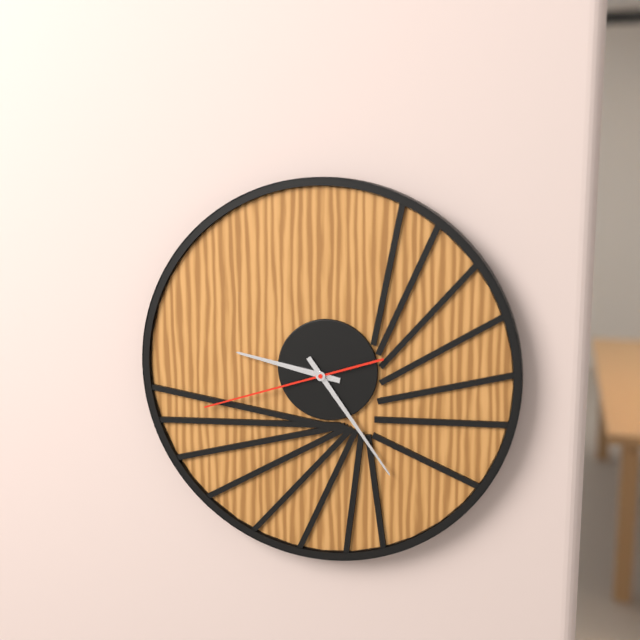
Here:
9,24,42
